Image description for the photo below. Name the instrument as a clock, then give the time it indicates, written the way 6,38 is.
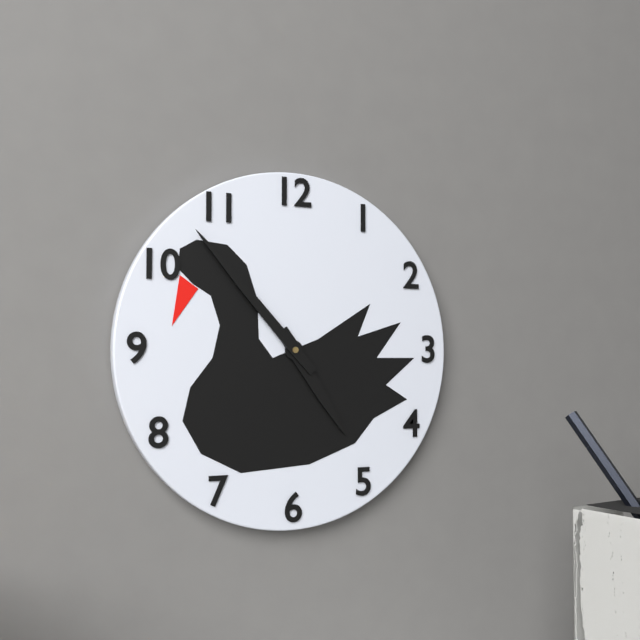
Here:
4,53
